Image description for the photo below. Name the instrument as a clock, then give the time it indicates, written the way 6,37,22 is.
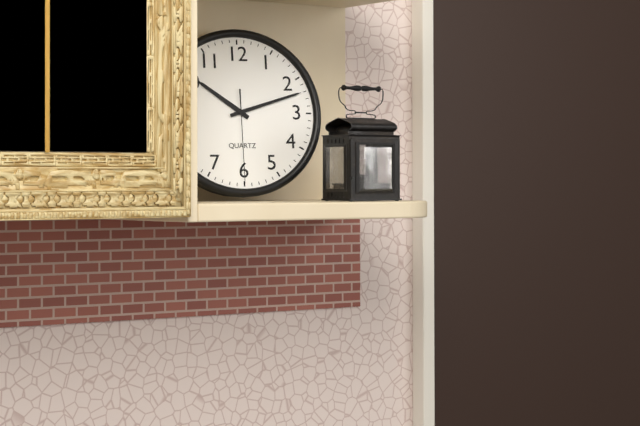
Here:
10,12,30
